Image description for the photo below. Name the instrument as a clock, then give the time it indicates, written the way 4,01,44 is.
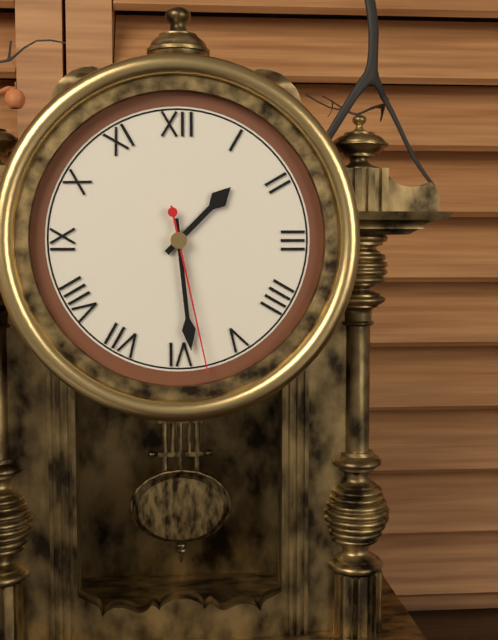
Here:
1,29,28
